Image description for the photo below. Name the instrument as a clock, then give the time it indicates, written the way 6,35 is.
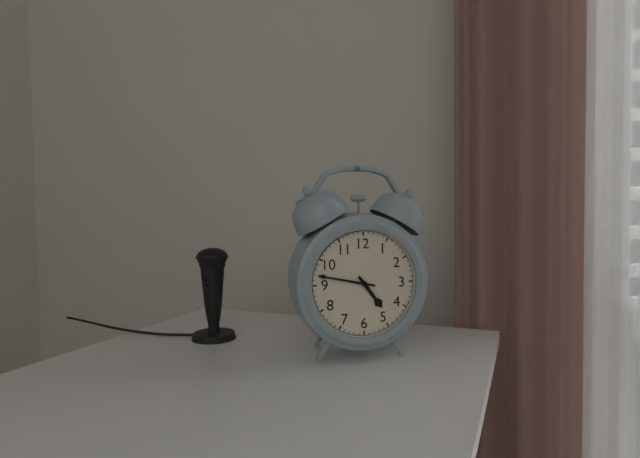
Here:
4,47
